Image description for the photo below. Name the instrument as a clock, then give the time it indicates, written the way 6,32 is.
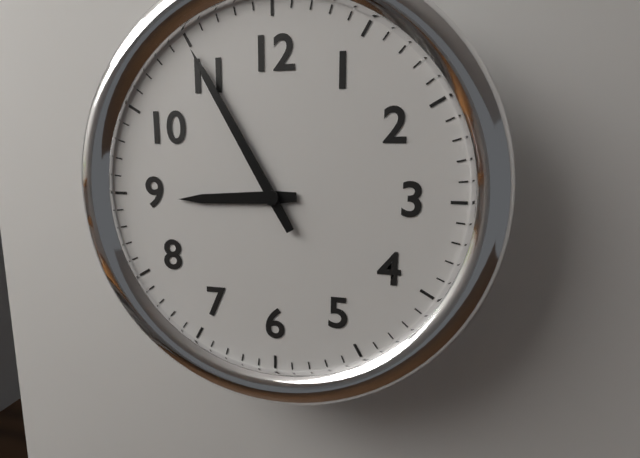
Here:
8,55
